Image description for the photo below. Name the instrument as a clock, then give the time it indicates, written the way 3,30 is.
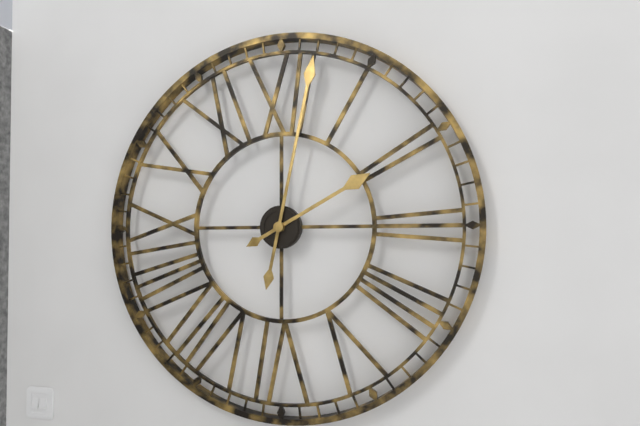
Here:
2,02
